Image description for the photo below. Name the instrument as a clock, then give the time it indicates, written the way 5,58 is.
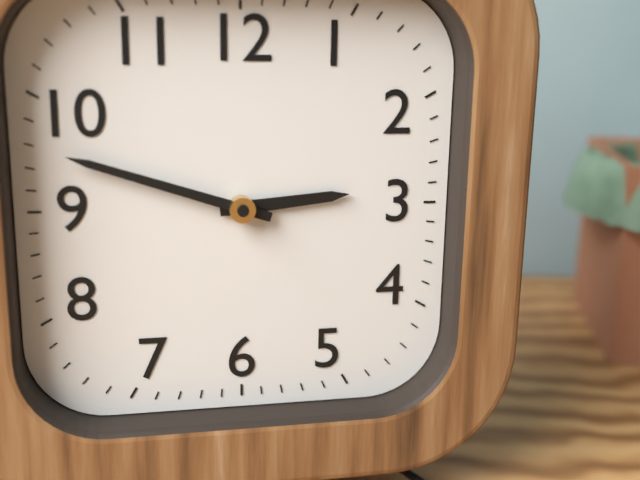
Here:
2,48
